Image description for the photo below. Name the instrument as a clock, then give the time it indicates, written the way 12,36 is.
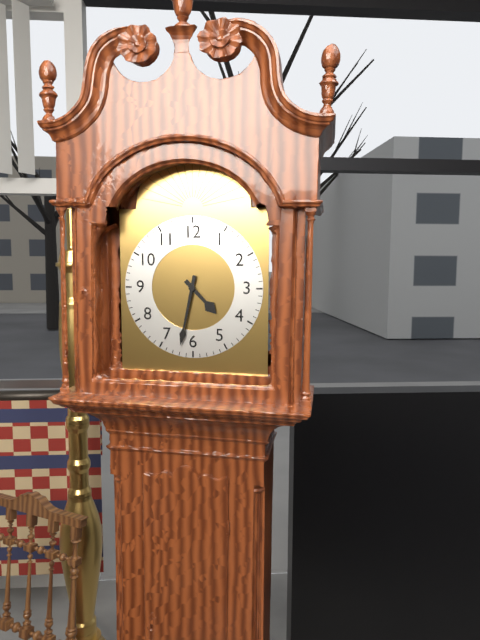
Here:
4,32
